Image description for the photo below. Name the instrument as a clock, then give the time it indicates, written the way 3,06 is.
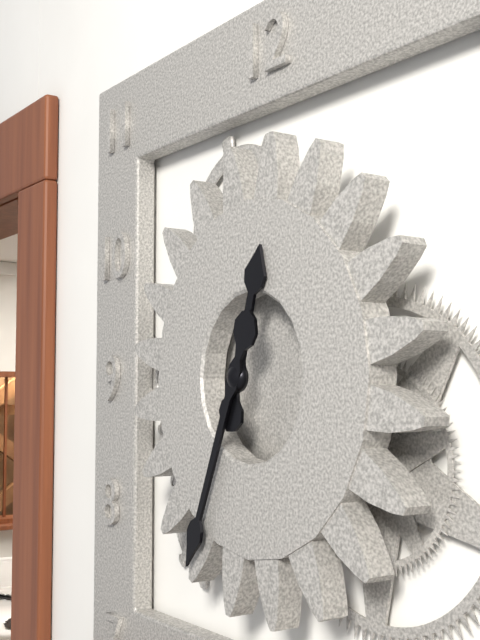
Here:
12,34
